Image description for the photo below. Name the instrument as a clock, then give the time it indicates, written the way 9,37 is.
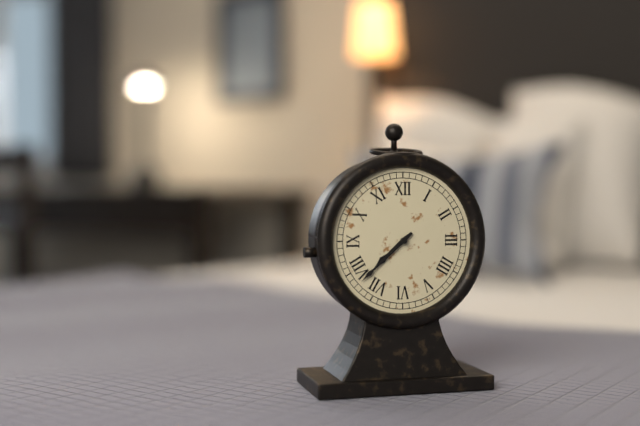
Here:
7,38
